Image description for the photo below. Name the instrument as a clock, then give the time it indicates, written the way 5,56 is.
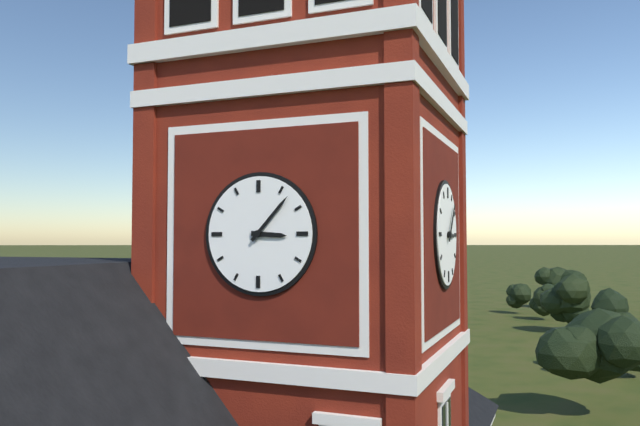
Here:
3,07
